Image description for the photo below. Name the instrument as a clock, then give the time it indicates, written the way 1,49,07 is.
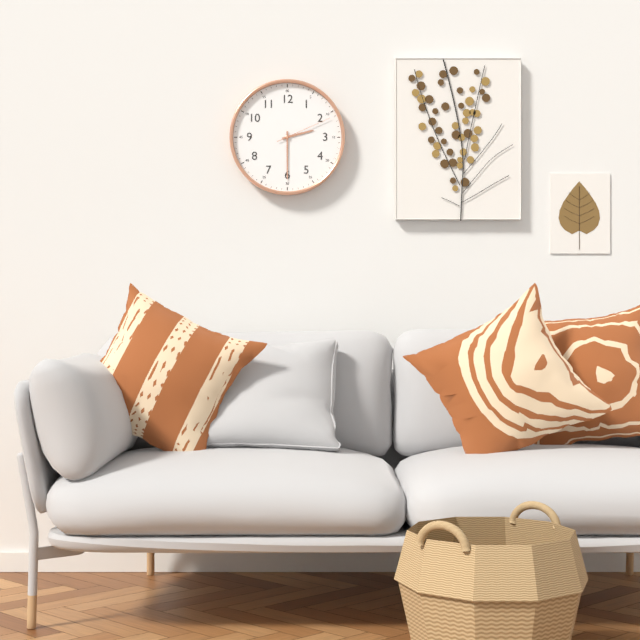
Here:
2,30,11
